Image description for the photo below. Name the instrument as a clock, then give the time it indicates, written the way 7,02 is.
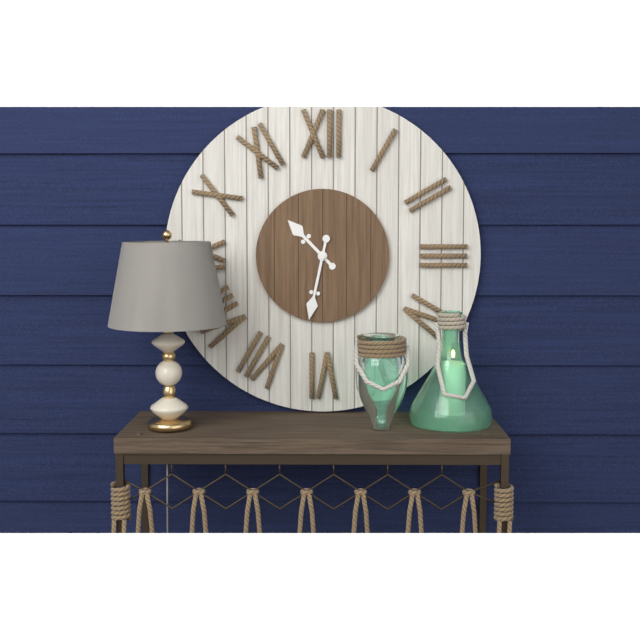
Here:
10,32
